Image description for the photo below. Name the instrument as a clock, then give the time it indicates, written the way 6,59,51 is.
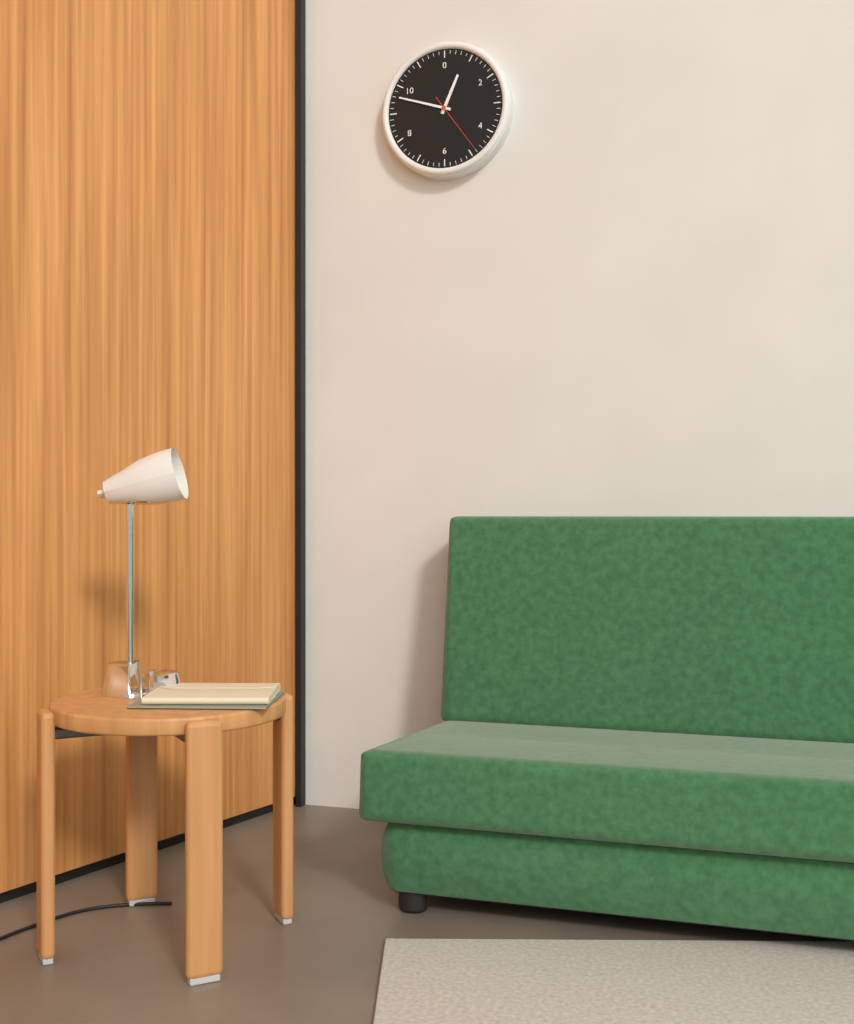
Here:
12,48,24
